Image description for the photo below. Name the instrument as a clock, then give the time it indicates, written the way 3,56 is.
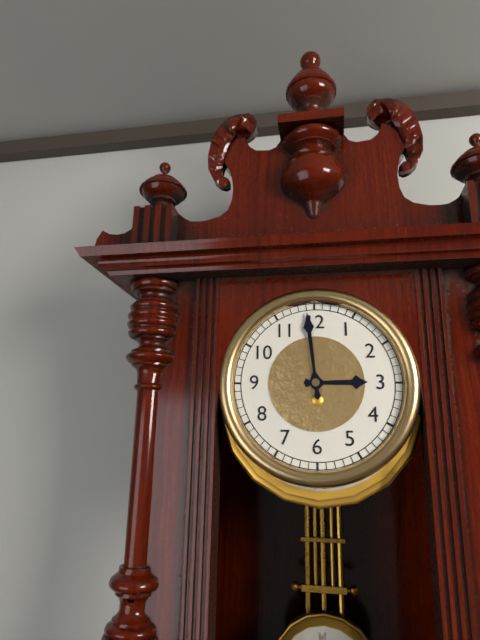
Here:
2,59
